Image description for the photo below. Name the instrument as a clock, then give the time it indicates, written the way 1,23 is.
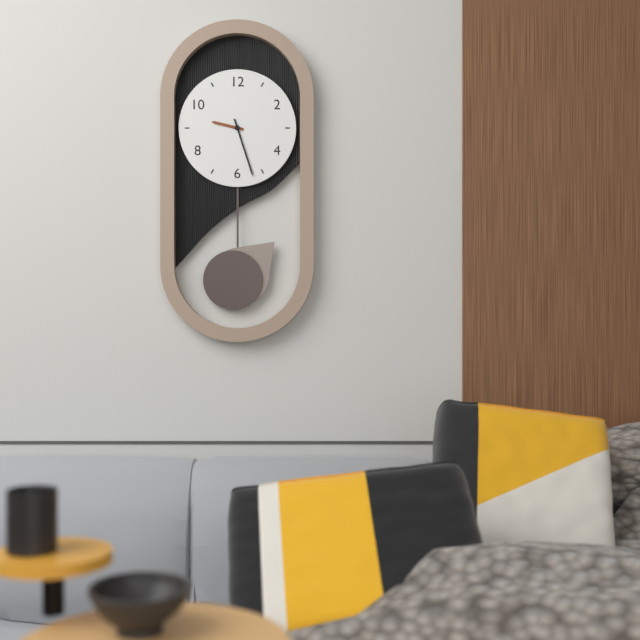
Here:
9,27
